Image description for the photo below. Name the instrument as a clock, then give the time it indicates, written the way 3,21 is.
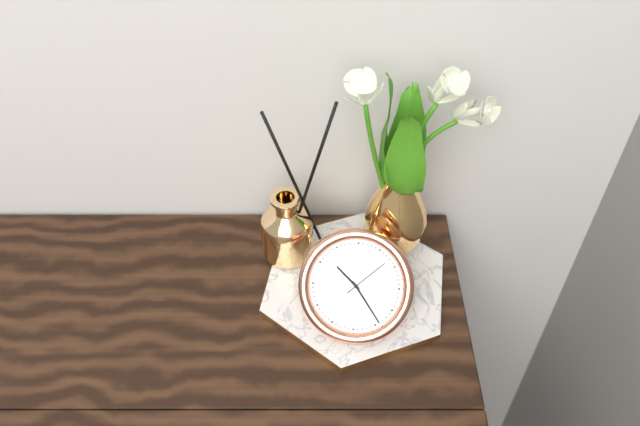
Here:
10,24
